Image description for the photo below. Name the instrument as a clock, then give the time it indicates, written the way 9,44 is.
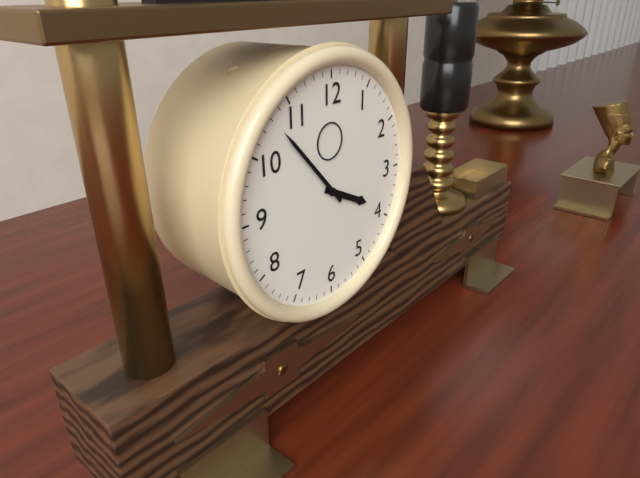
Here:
3,53
